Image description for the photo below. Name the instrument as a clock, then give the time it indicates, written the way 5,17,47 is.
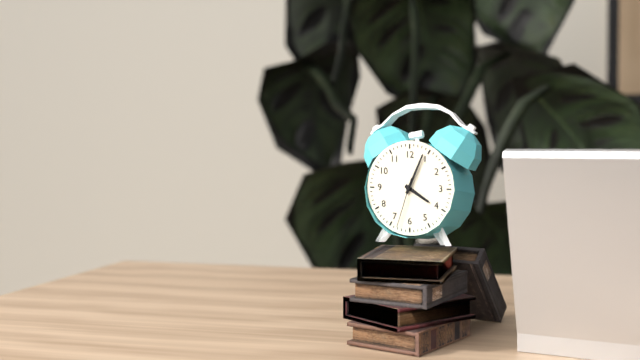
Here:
4,04,33
